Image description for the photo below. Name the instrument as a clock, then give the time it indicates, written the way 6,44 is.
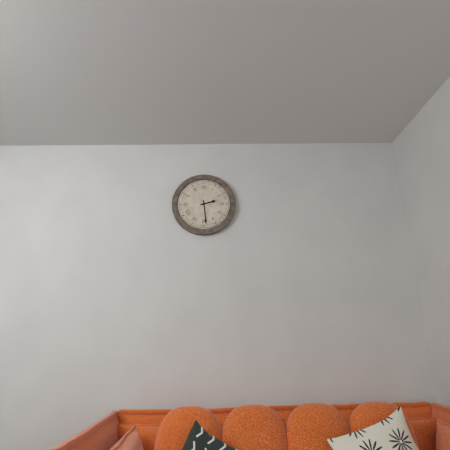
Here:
2,29
